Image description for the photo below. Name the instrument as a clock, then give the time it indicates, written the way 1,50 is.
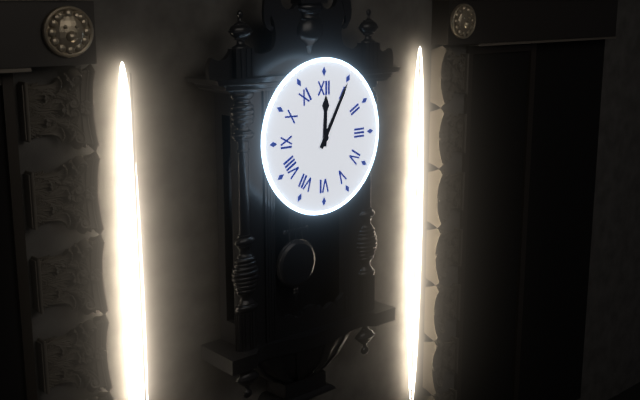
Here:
12,05
